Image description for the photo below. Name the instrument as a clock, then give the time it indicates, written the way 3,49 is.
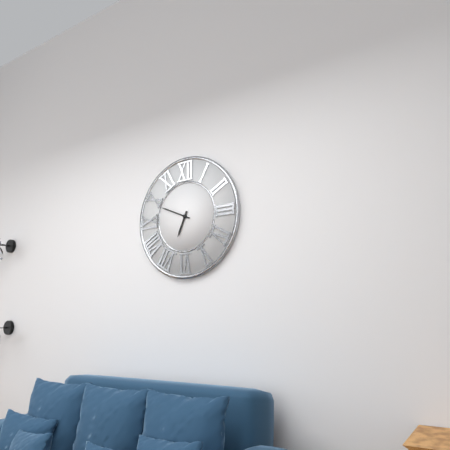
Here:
6,49
